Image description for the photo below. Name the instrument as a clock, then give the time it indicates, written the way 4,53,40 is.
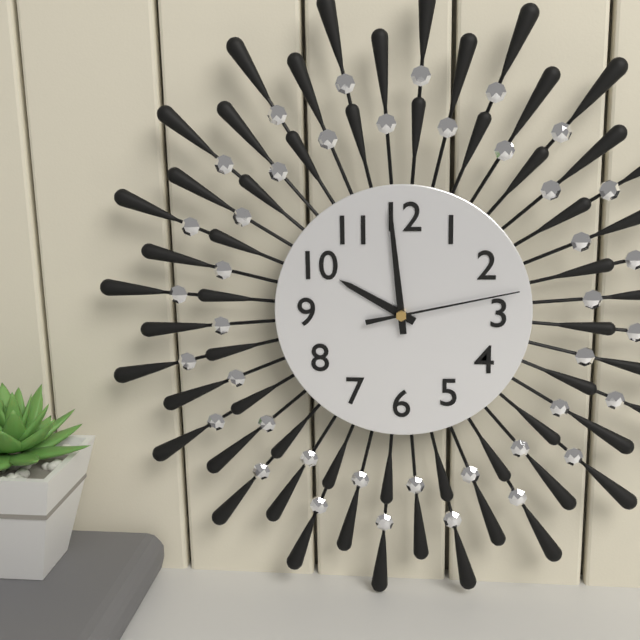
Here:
9,59,13
